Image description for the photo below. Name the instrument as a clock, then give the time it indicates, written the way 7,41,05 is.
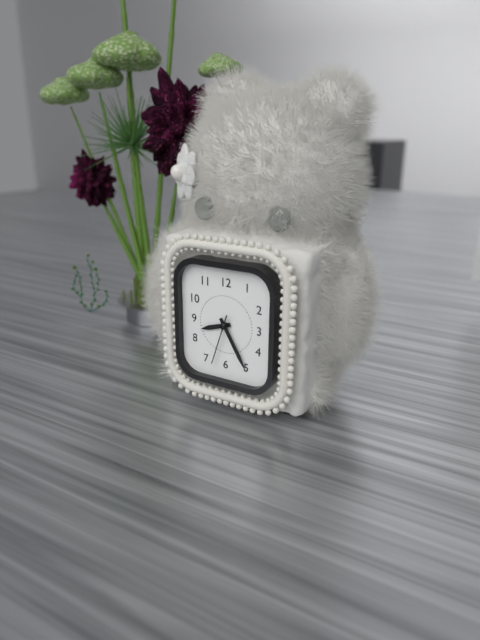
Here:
8,25,33
